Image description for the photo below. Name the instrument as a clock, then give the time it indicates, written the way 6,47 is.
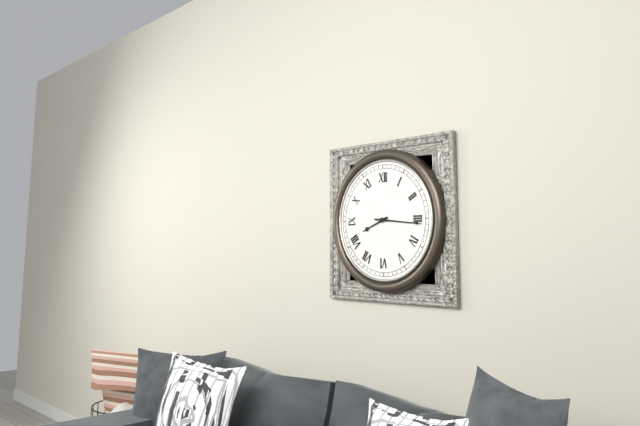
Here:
8,16
